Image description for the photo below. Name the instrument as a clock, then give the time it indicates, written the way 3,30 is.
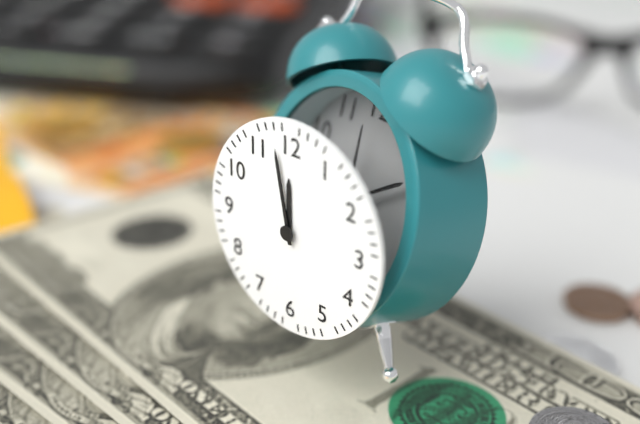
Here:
11,58
